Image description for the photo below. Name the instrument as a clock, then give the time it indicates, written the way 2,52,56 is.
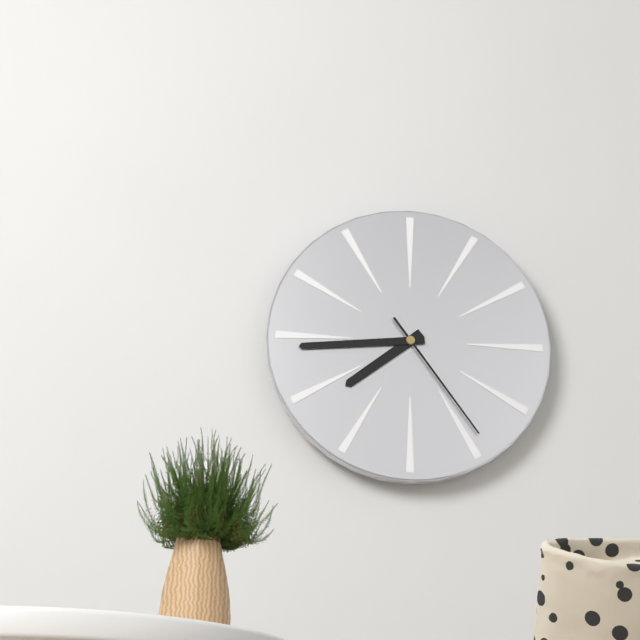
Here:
7,44,24
